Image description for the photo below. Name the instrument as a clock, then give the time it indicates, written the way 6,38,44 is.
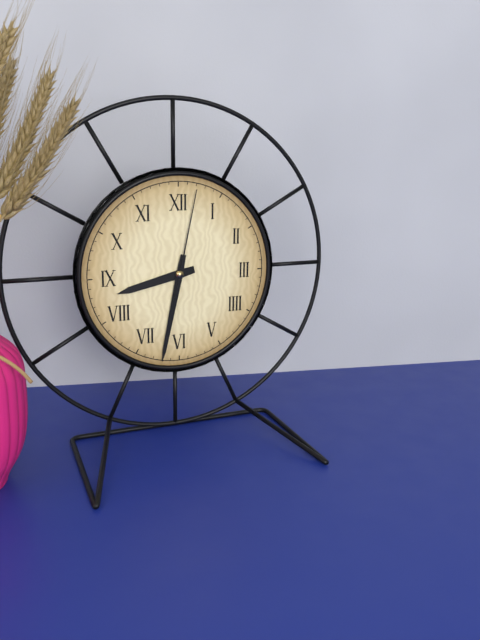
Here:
8,32,02
